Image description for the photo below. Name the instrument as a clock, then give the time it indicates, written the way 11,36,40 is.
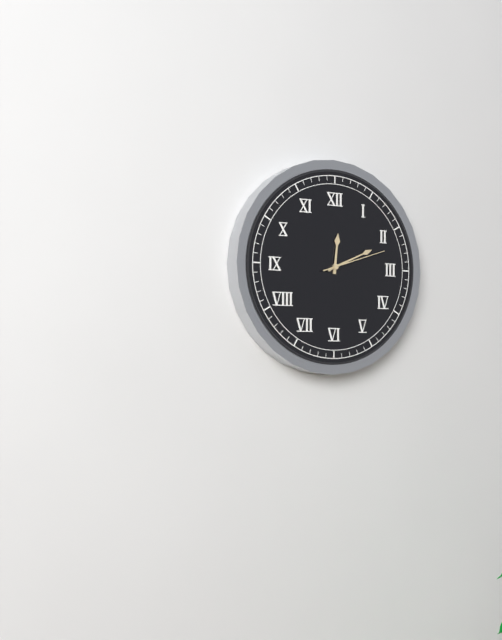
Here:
12,11,12
